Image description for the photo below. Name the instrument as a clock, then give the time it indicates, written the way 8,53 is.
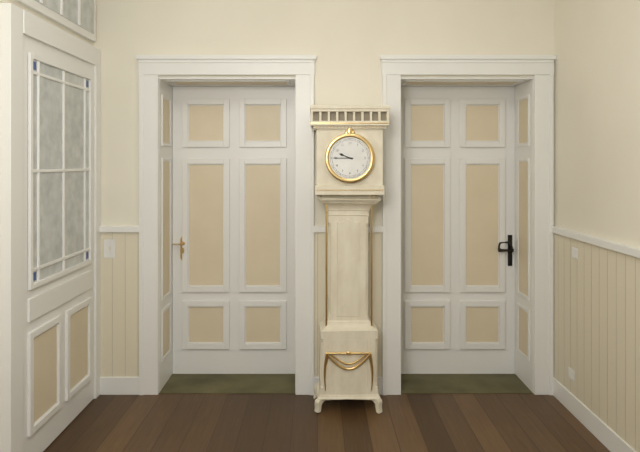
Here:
9,45
